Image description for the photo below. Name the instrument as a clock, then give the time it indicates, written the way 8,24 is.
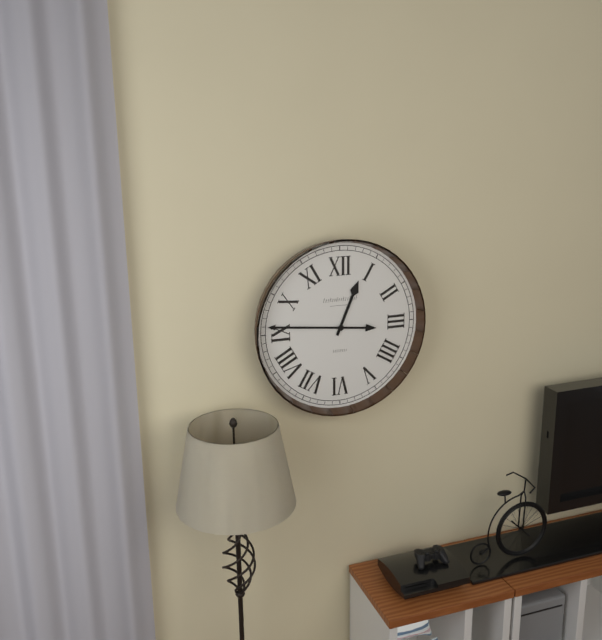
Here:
12,46
